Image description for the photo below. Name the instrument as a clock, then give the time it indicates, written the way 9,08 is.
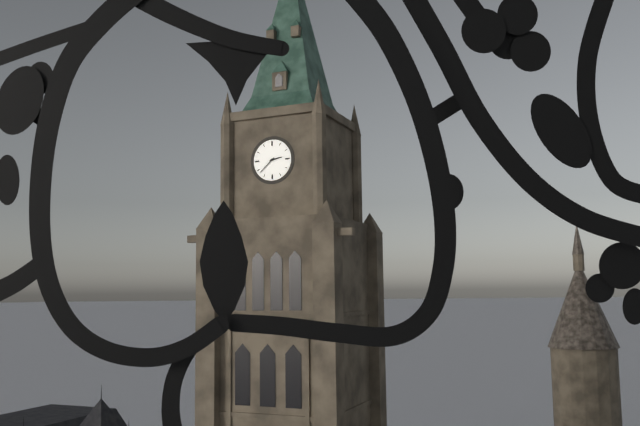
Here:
2,38
